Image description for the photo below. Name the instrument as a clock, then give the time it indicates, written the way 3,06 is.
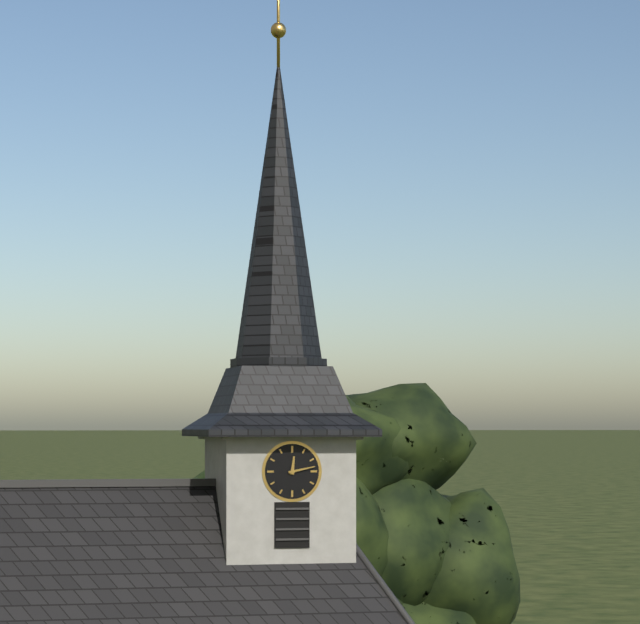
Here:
12,13
